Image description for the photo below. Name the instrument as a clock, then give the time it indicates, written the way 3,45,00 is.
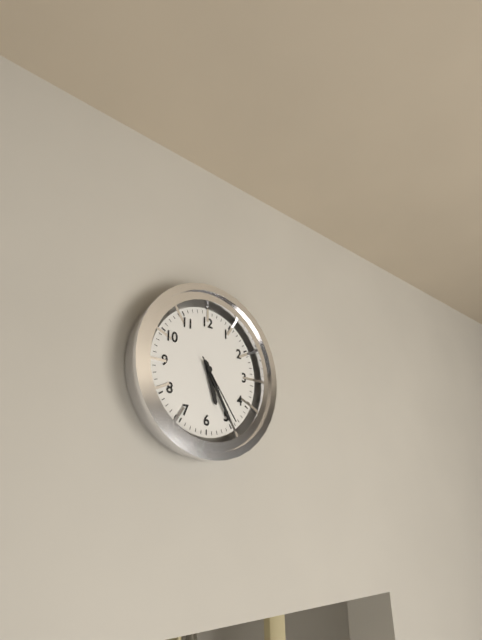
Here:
5,25,24
